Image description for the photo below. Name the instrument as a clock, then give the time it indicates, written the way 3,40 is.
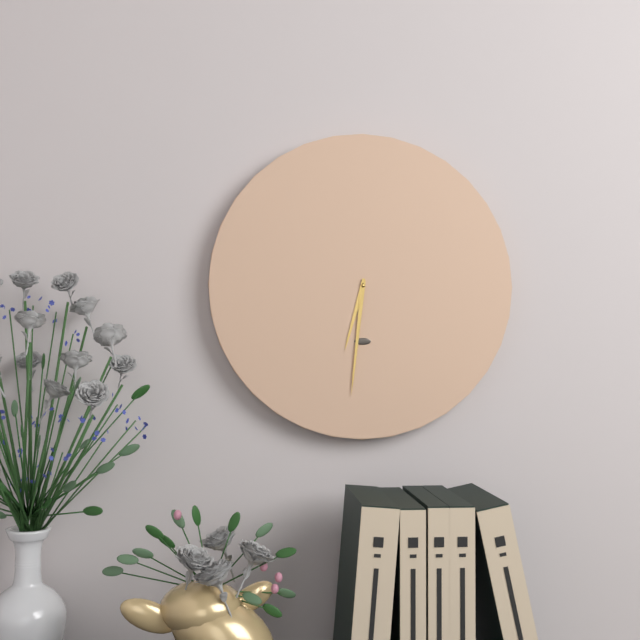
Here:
6,31
